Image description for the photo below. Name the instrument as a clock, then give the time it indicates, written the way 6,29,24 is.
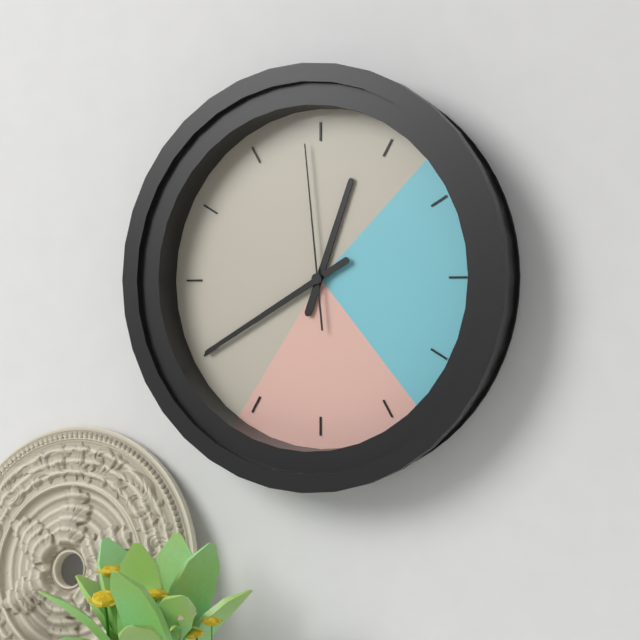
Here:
12,40,59
